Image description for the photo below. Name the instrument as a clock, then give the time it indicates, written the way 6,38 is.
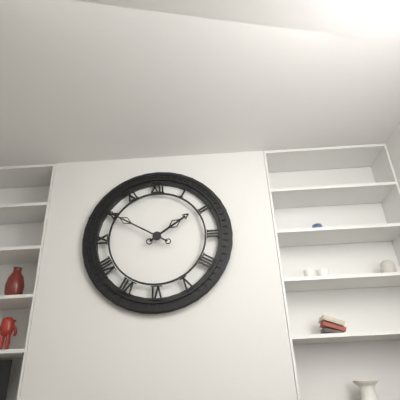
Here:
1,50
